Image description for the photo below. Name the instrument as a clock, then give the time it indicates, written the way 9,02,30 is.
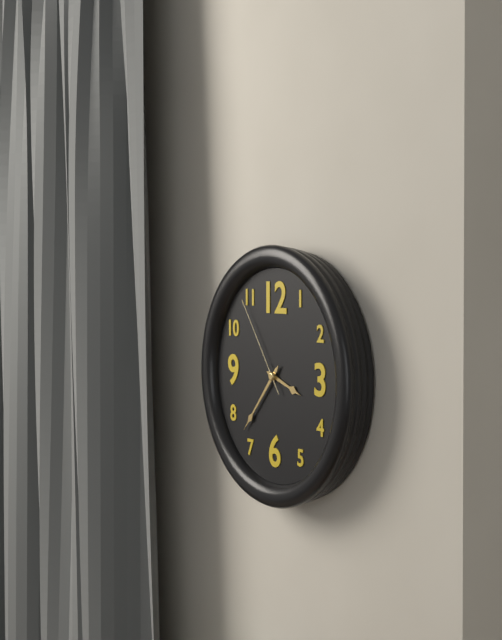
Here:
3,37,54
